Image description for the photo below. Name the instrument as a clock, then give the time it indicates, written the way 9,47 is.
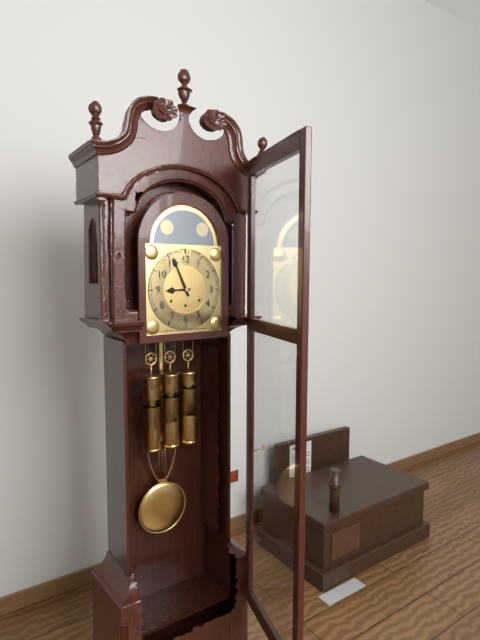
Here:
8,56
